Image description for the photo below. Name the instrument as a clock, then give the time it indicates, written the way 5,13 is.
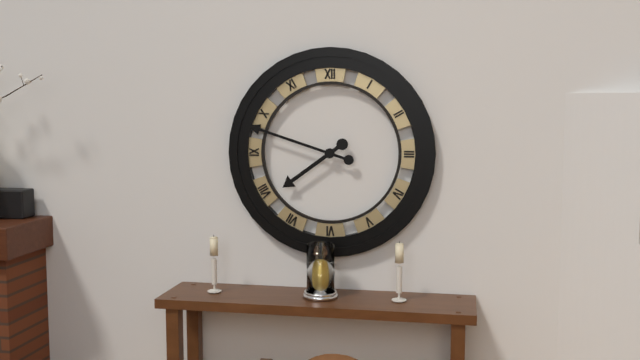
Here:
7,48
